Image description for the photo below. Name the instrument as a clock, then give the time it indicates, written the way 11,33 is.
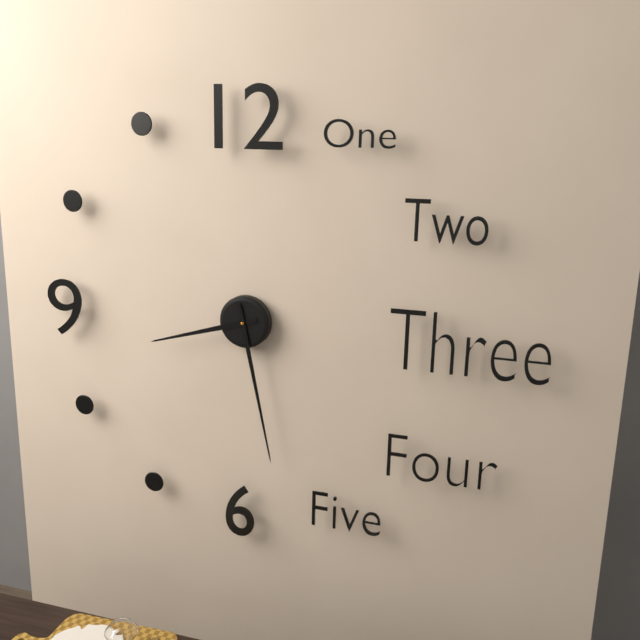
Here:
8,28
